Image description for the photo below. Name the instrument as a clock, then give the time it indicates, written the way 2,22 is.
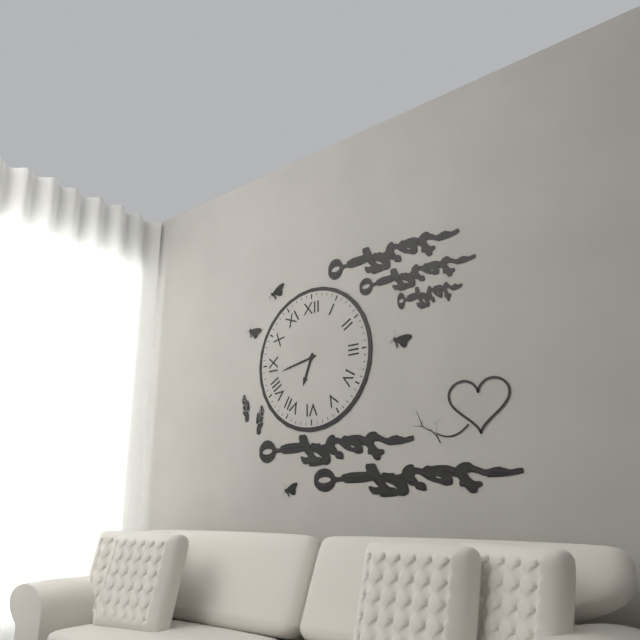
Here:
6,43
